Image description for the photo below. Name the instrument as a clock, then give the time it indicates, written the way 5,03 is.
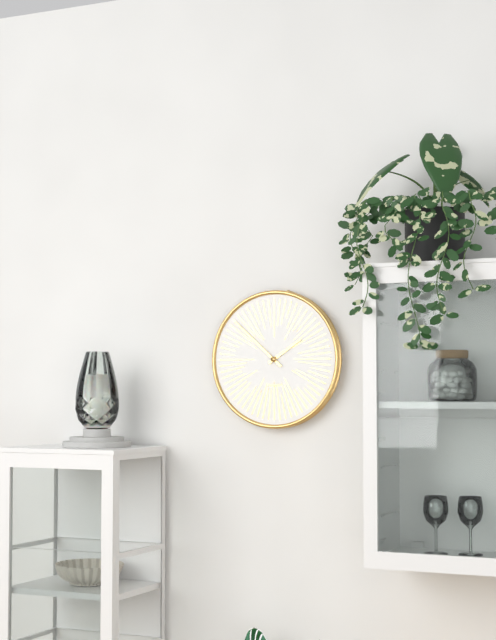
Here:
1,52
